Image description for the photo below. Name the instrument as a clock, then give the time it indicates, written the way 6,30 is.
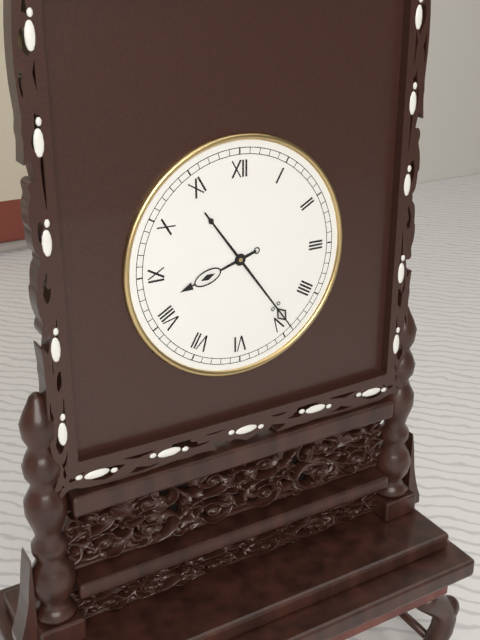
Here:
8,24
